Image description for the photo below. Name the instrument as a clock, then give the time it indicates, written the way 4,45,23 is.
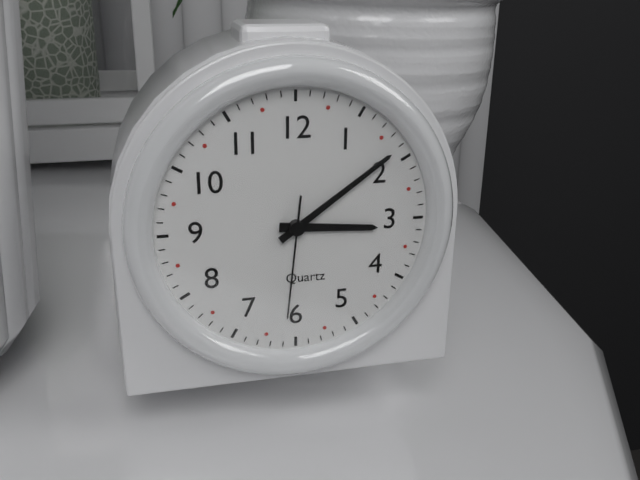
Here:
3,09,31
